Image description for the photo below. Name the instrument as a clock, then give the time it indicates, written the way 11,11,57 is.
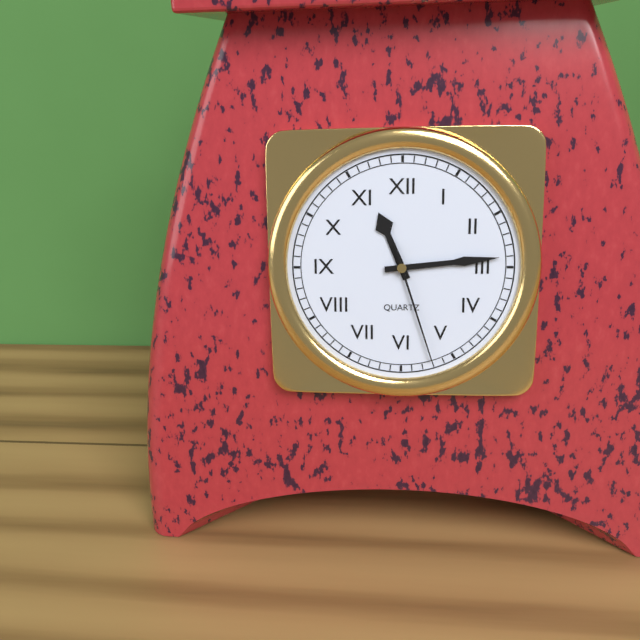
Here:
11,14,27
